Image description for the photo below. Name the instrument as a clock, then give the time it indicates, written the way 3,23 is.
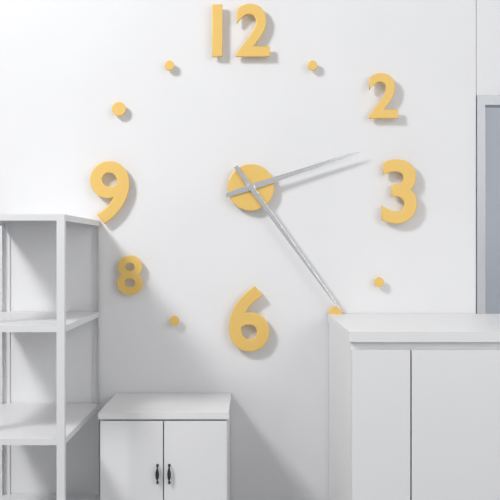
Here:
2,24
